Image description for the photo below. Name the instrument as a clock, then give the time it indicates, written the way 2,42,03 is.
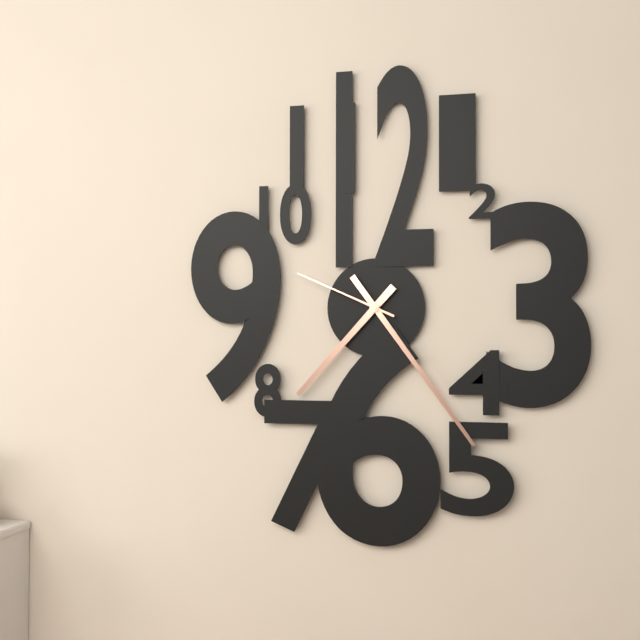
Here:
7,24,49
